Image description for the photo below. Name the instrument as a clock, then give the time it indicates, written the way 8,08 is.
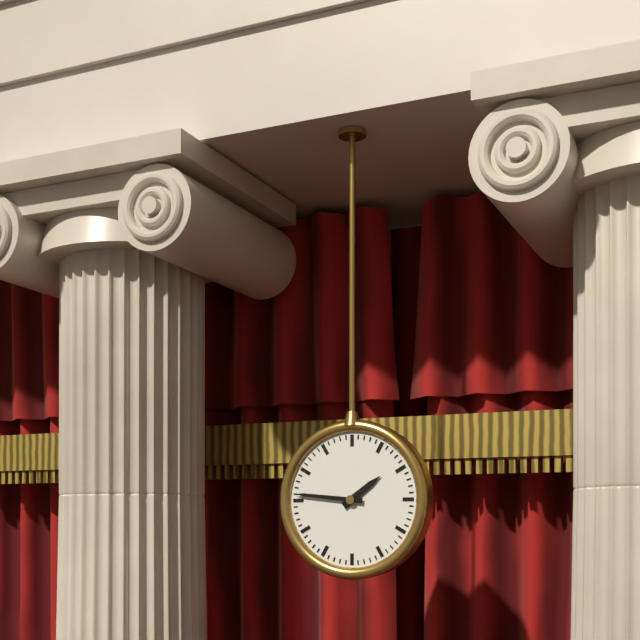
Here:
1,46
